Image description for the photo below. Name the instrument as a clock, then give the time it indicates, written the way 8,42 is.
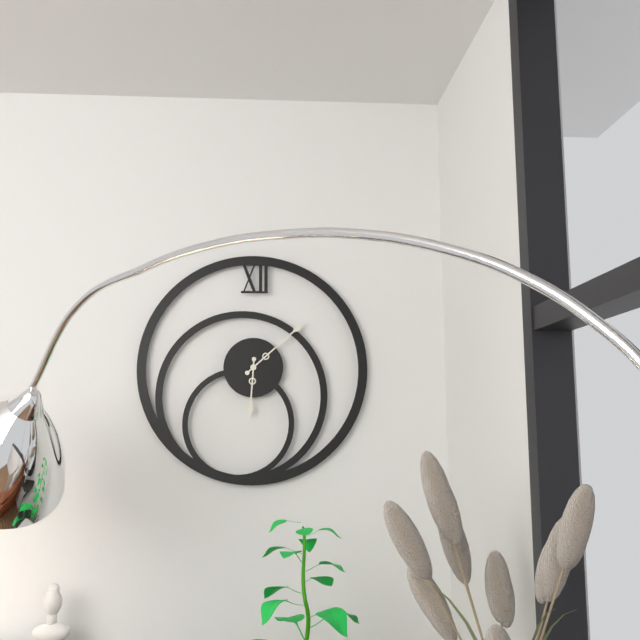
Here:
6,08
